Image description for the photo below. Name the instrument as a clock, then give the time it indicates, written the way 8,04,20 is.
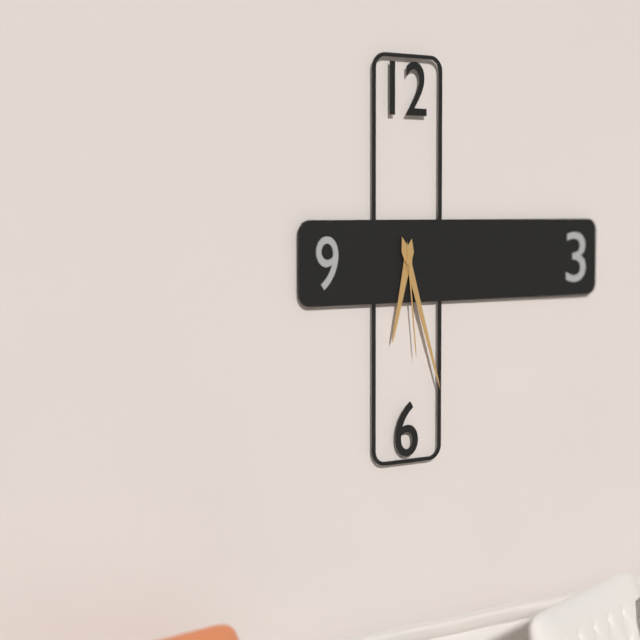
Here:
6,27,29
